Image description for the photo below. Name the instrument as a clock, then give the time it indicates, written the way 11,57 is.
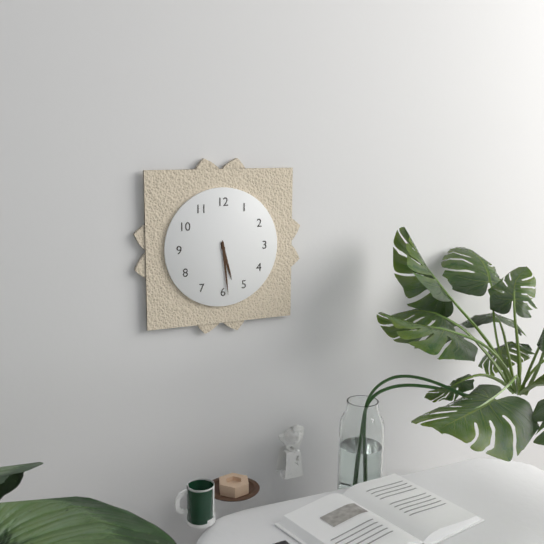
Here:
5,29
